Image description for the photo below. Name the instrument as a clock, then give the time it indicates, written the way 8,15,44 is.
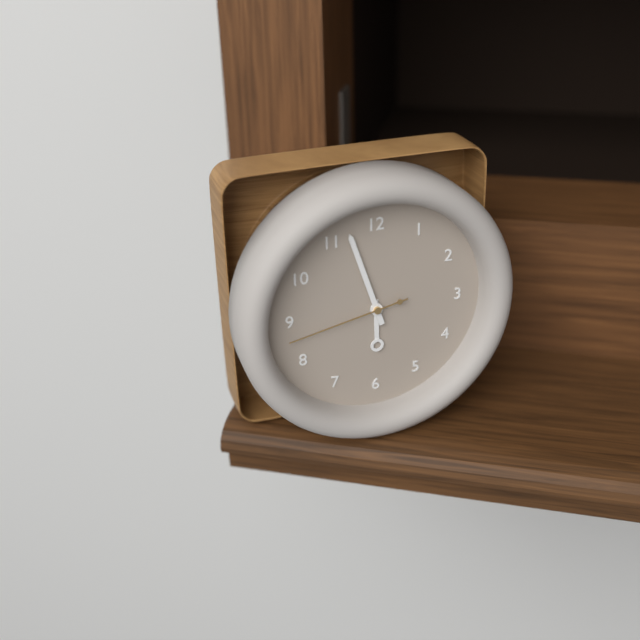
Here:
5,57,43
